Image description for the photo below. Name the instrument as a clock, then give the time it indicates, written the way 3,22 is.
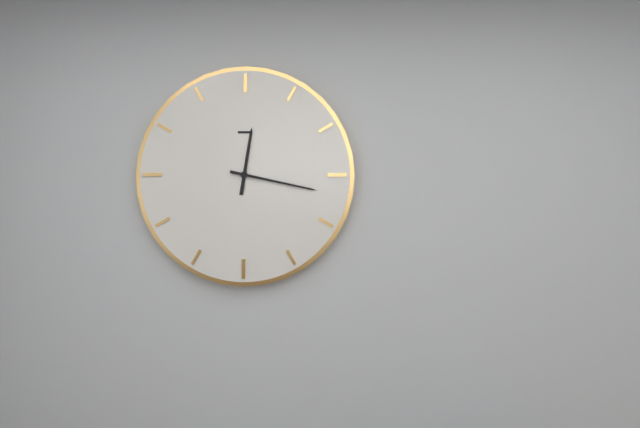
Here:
12,17
